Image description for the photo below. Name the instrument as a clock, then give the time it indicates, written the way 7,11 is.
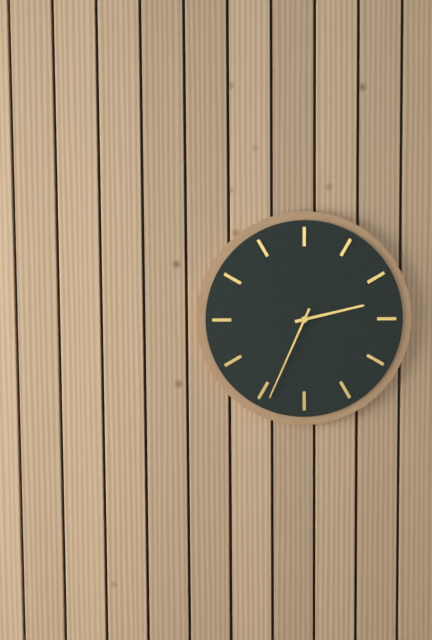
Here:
2,34
